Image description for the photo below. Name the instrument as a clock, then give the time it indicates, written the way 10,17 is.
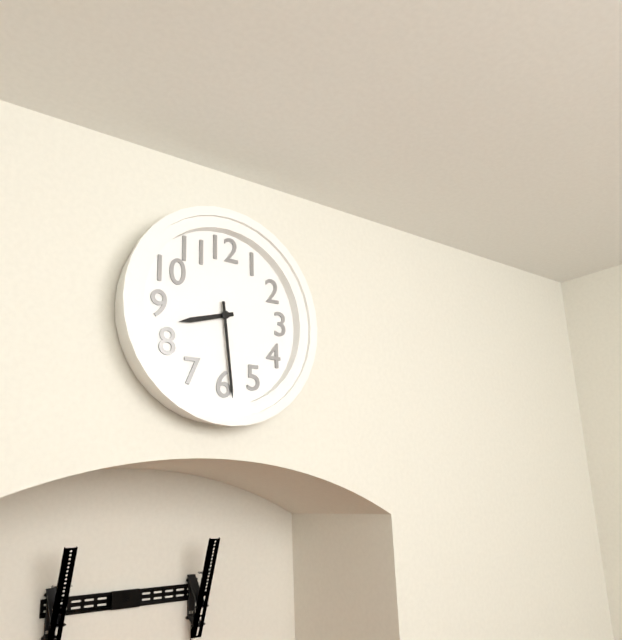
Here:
8,29
